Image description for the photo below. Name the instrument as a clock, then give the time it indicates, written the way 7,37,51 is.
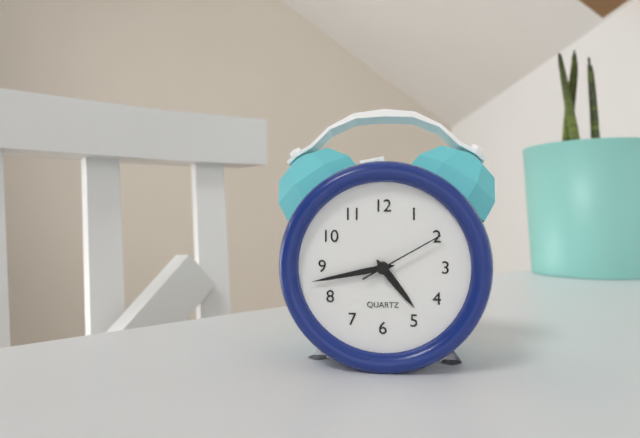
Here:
4,43,10
